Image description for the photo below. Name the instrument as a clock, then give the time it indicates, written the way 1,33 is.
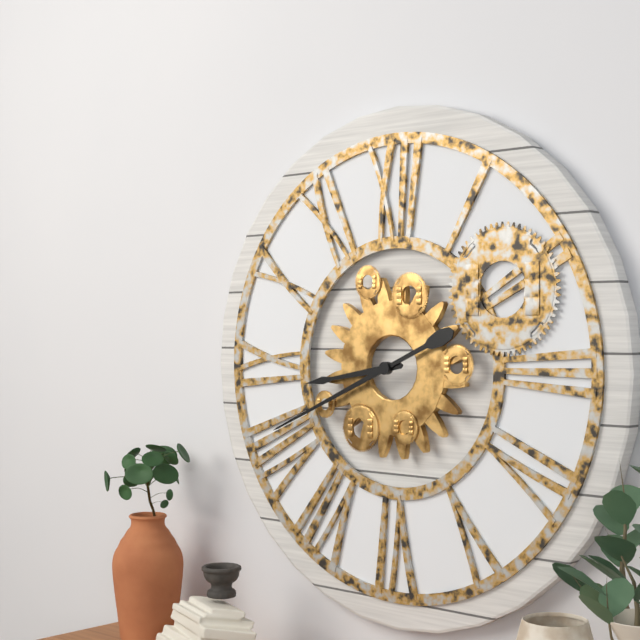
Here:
8,41
